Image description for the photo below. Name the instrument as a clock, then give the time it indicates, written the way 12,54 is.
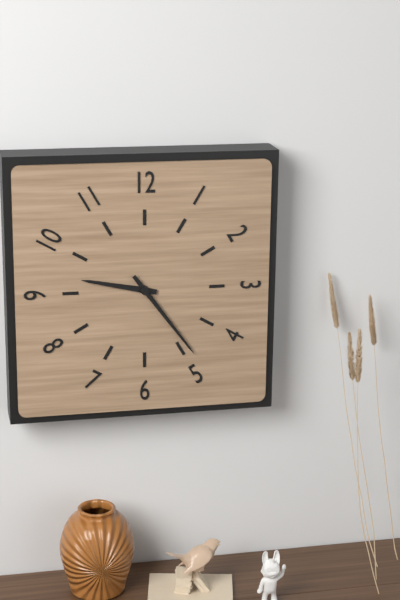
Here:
9,24
